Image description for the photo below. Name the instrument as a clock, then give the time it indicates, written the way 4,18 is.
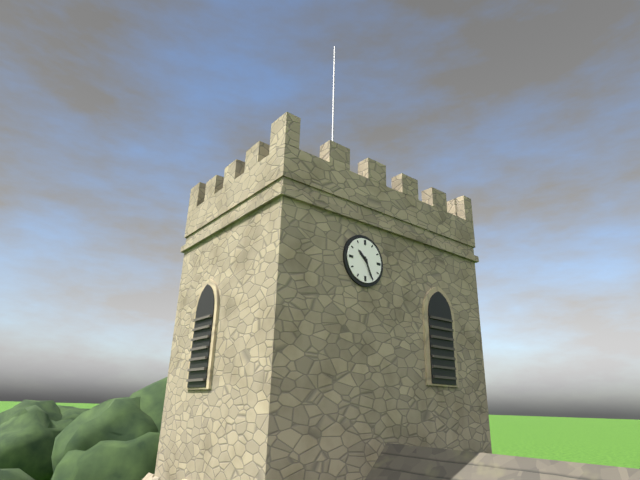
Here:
10,26
